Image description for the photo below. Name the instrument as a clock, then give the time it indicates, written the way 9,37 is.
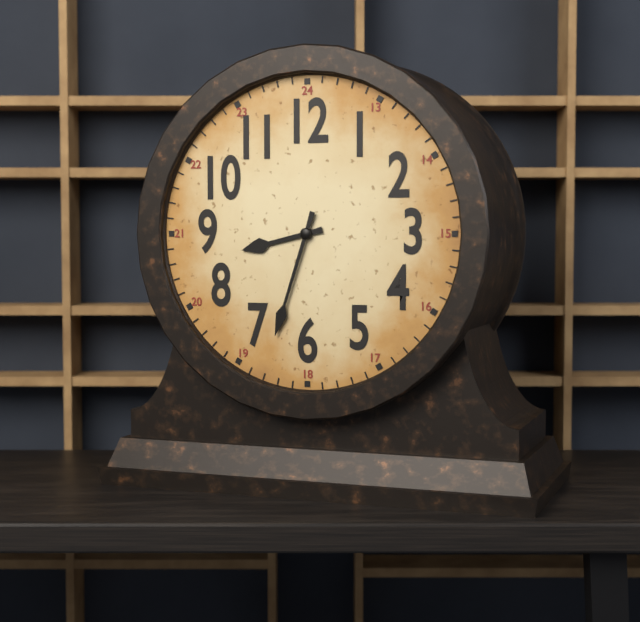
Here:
8,33
